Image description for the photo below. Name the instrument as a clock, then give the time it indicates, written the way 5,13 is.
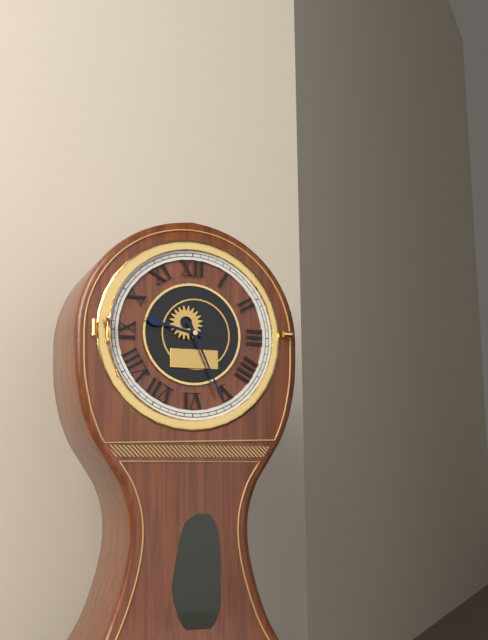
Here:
9,26
